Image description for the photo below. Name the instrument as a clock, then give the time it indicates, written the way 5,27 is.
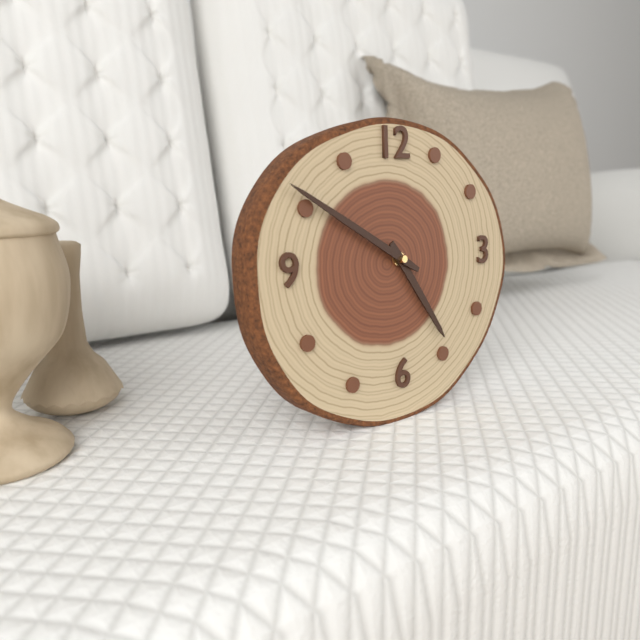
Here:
4,50
